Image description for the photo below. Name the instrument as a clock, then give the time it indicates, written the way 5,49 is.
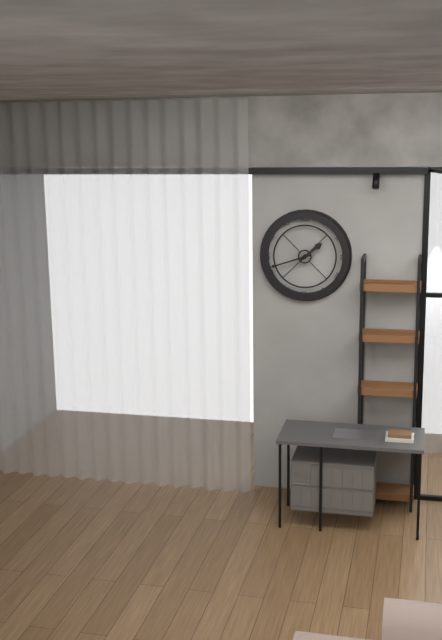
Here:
1,42
